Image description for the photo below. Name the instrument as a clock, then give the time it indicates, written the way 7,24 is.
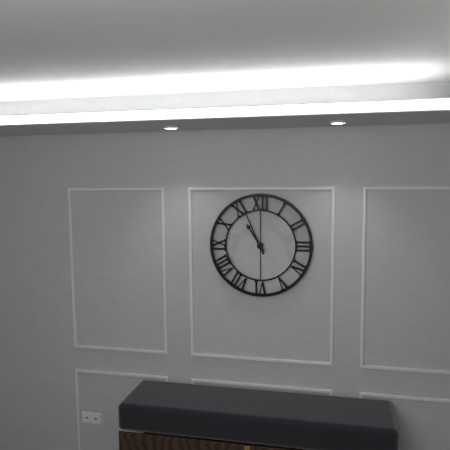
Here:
10,56
